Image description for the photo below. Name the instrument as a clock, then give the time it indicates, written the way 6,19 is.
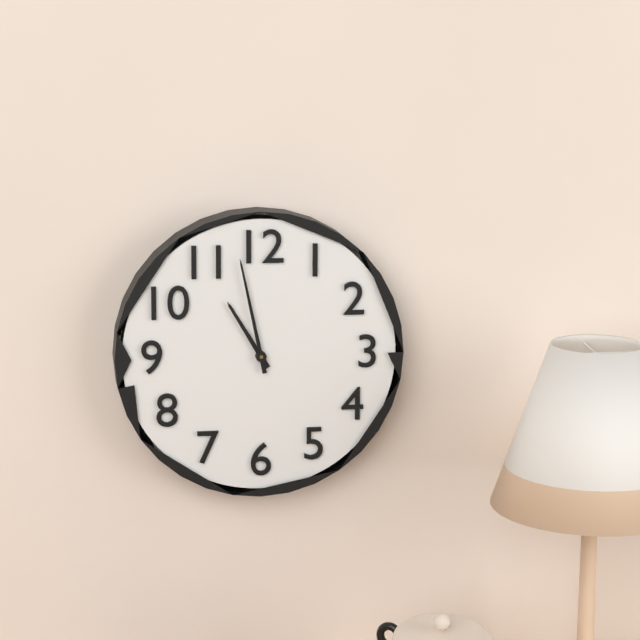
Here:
10,58
